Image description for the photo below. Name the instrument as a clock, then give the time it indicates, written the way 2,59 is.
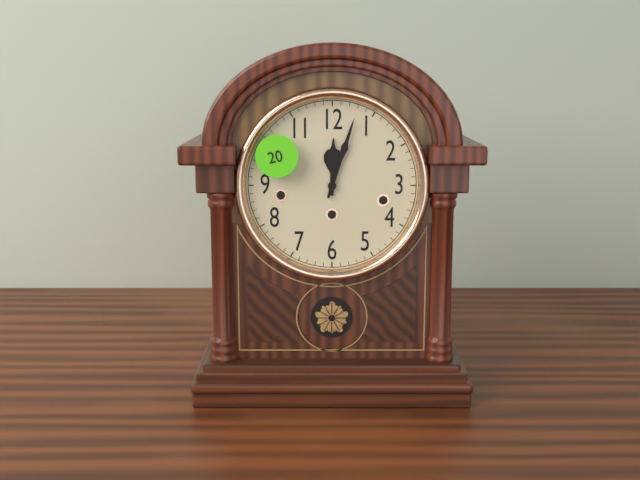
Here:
12,03
